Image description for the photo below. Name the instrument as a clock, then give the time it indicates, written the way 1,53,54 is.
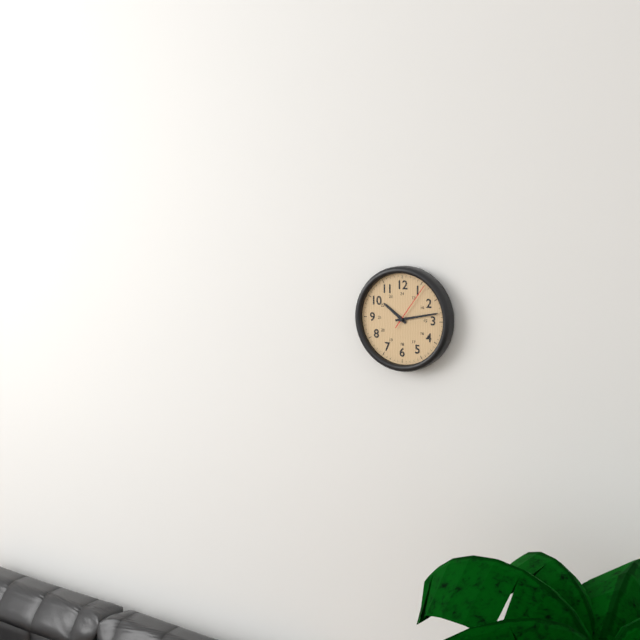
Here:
10,13,06
